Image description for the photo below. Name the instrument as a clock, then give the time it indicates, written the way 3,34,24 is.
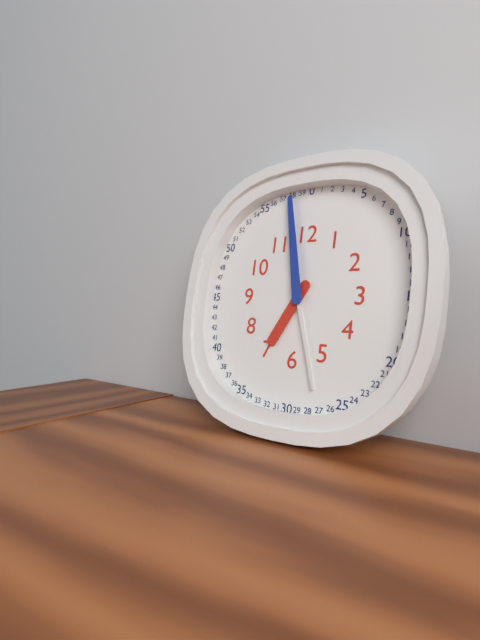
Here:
6,58,27
